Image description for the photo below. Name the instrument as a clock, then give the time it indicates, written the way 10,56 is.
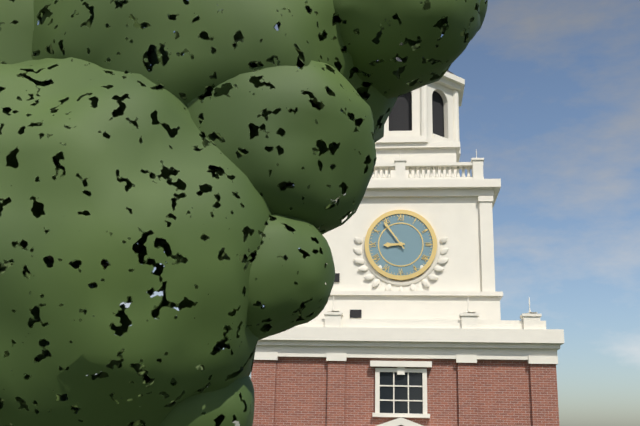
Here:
8,54
